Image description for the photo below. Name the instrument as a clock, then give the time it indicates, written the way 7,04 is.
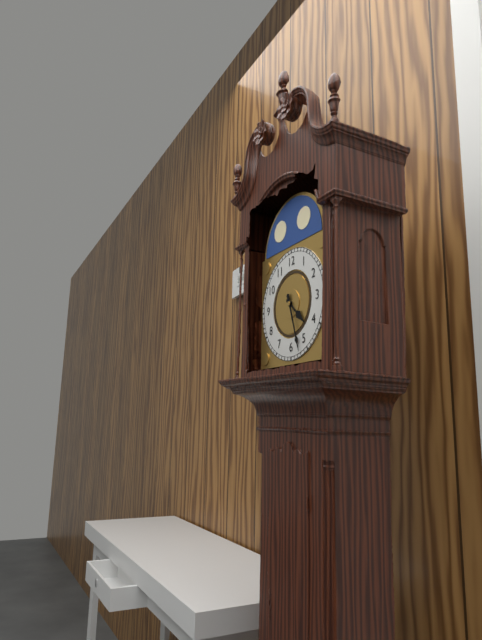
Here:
4,27
